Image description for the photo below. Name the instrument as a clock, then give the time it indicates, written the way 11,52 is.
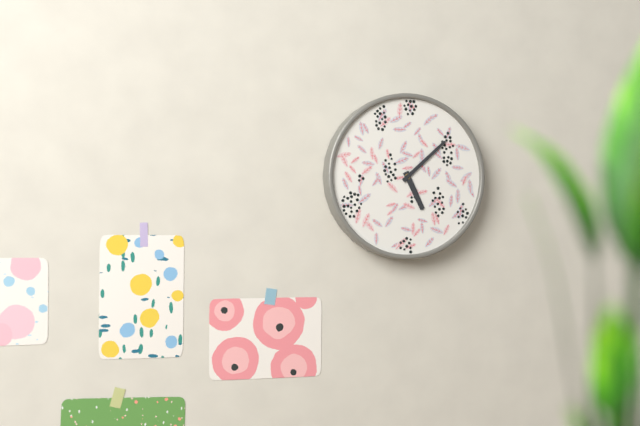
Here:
5,08
